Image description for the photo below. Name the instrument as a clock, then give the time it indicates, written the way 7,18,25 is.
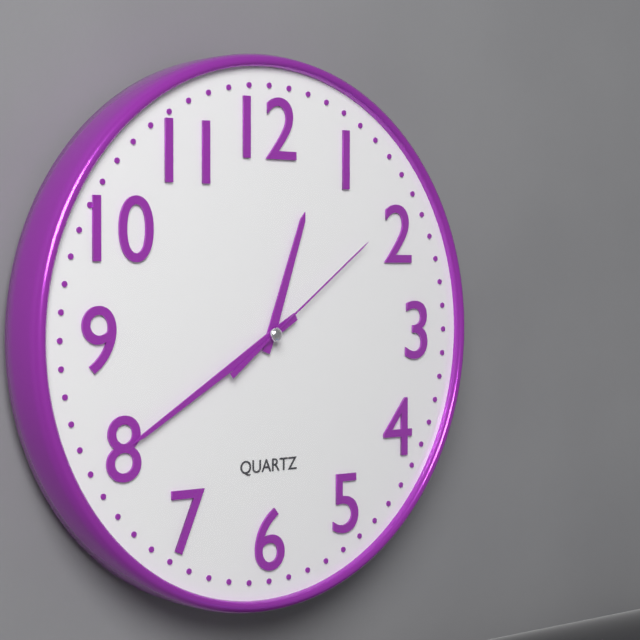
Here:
12,40,09
